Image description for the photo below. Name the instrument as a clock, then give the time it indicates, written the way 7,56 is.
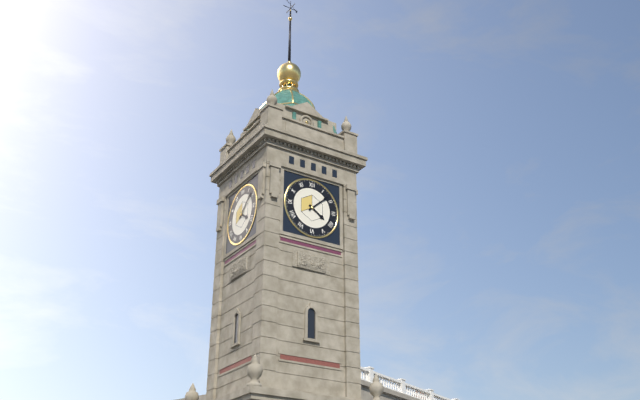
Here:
4,08
